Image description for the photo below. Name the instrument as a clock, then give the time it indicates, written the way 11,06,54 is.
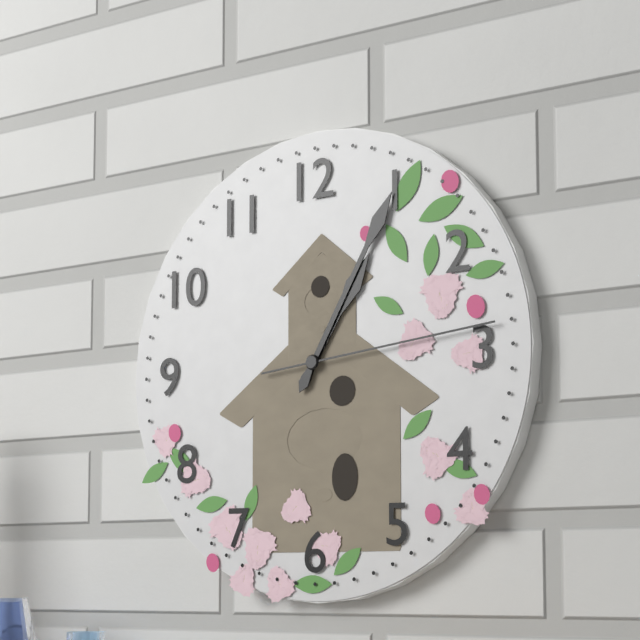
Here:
1,05,14
